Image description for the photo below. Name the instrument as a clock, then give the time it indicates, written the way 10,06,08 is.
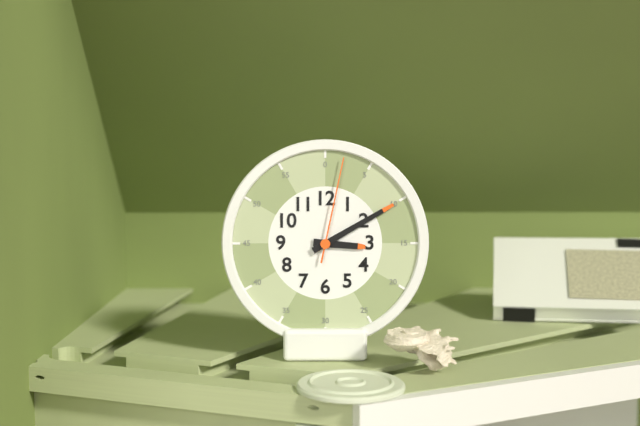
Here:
3,10,02
